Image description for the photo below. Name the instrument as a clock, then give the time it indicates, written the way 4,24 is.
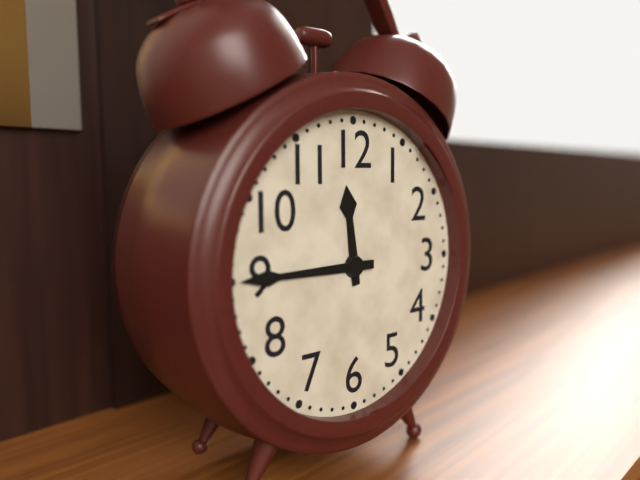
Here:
11,45
